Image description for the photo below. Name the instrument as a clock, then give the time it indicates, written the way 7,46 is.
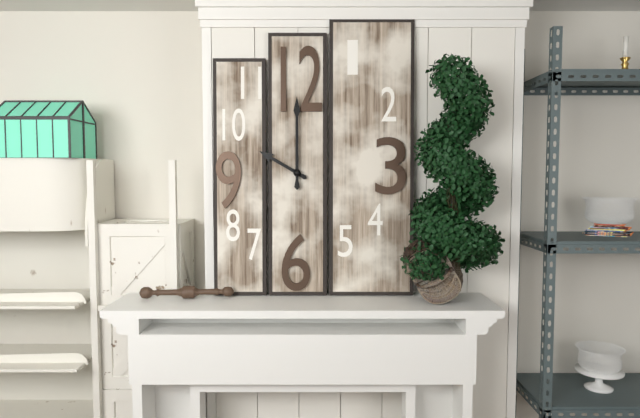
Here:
10,00
